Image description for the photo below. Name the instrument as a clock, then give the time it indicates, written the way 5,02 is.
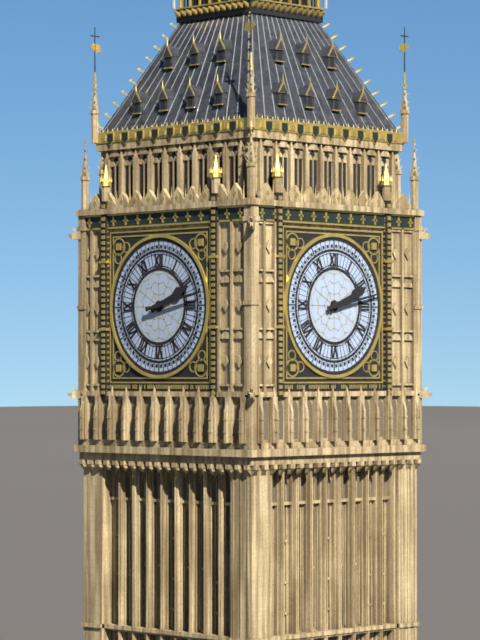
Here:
2,13
